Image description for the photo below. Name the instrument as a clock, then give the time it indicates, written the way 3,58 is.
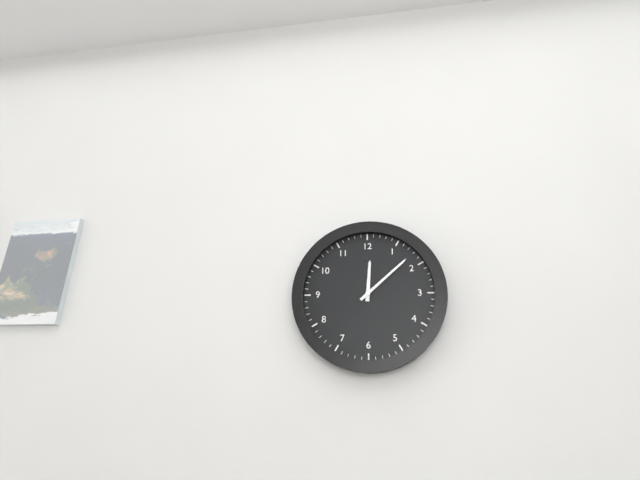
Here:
12,08
